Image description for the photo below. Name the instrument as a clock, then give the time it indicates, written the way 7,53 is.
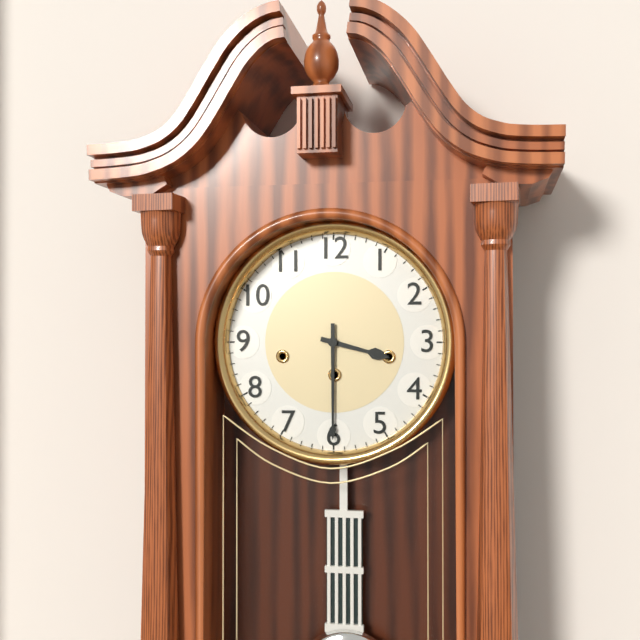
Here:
3,30
